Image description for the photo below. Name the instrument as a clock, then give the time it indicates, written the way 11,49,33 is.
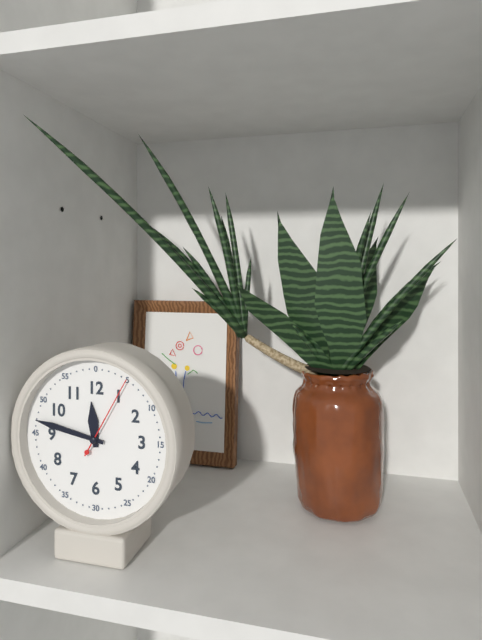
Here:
11,47,05
